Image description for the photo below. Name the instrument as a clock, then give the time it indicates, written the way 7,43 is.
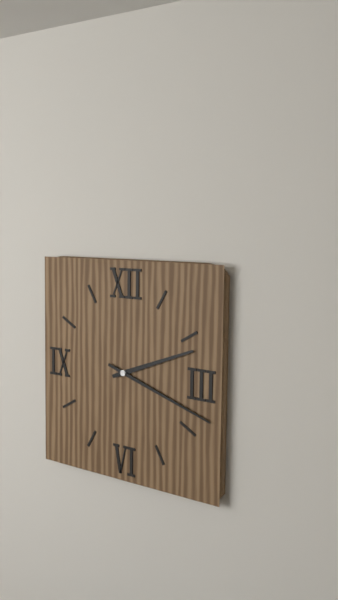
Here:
2,18
